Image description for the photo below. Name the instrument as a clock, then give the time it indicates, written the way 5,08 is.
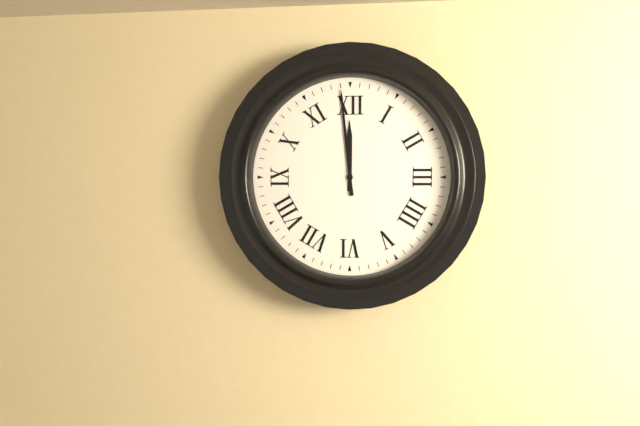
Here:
11,59
